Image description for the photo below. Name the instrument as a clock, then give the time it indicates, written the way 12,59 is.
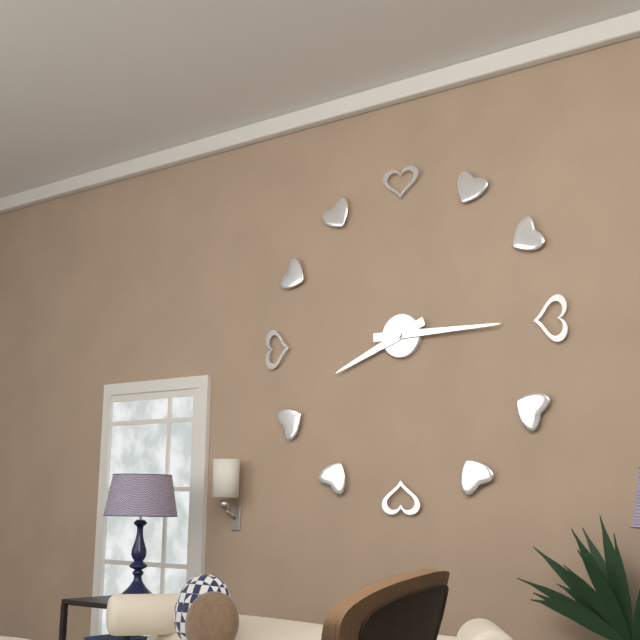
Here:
8,15
